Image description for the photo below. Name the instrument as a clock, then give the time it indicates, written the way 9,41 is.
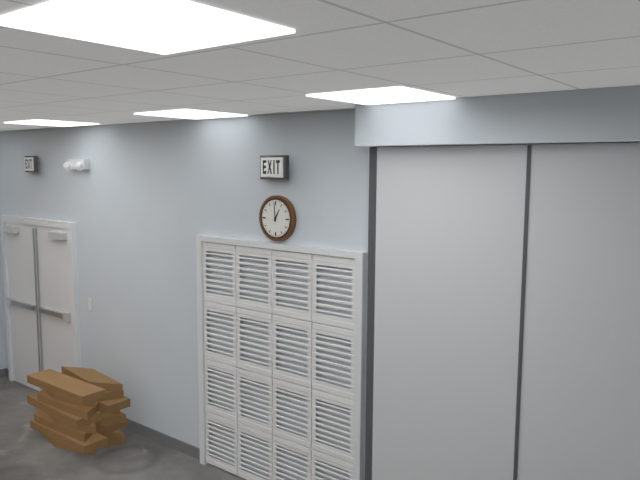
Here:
12,59
